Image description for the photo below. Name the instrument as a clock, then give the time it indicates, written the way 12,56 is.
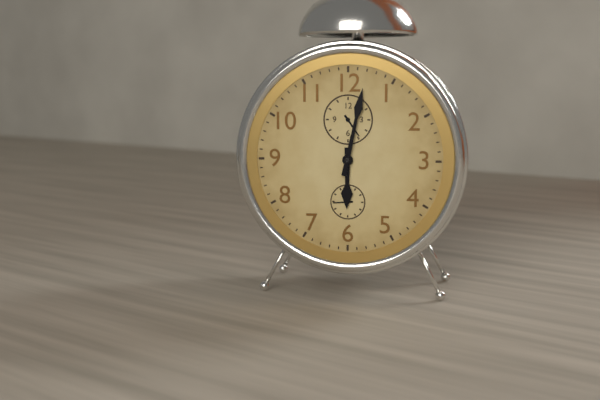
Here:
6,02
